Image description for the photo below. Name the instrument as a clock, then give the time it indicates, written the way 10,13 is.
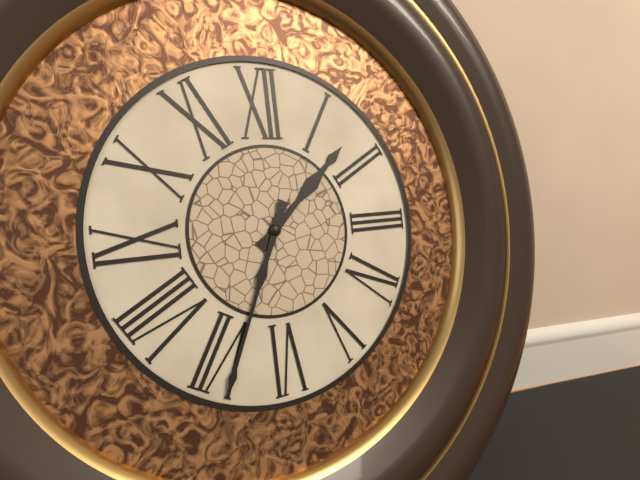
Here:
1,34
